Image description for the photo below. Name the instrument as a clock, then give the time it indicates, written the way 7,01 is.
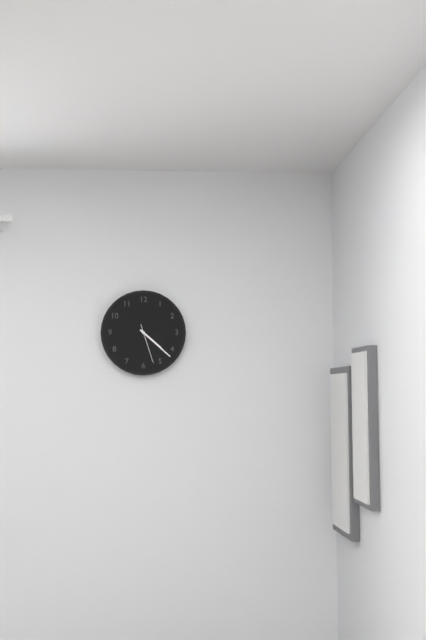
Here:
4,22
